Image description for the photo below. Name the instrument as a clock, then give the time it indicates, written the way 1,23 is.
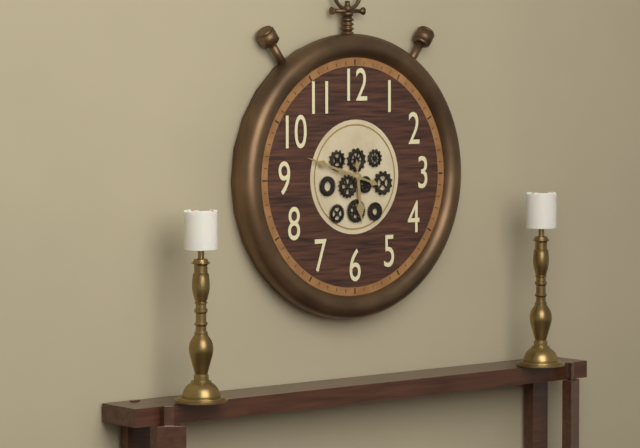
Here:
5,48
